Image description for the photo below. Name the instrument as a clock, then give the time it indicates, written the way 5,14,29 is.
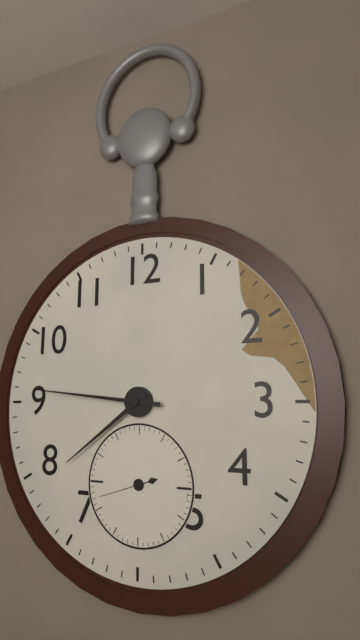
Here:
7,46,42
